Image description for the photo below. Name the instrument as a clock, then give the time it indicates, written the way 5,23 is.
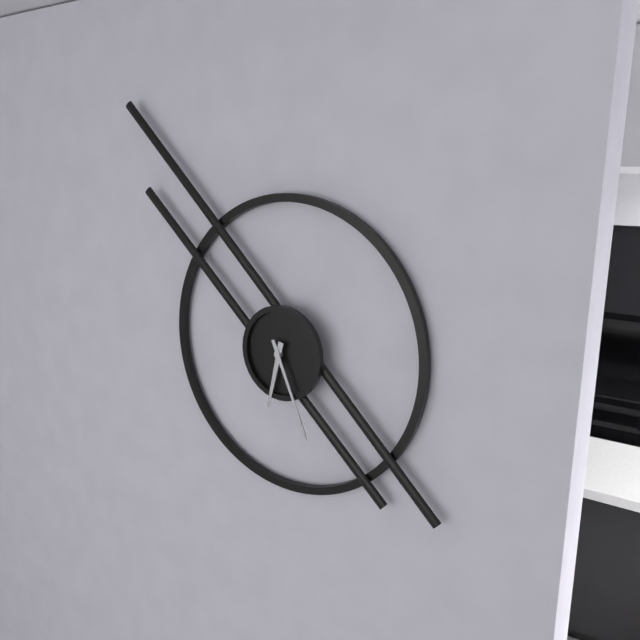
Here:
6,26
